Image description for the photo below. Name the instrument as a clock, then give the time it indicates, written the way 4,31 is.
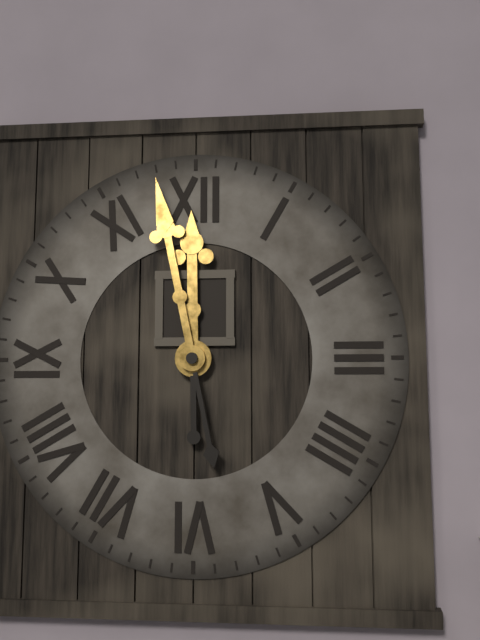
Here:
11,58
